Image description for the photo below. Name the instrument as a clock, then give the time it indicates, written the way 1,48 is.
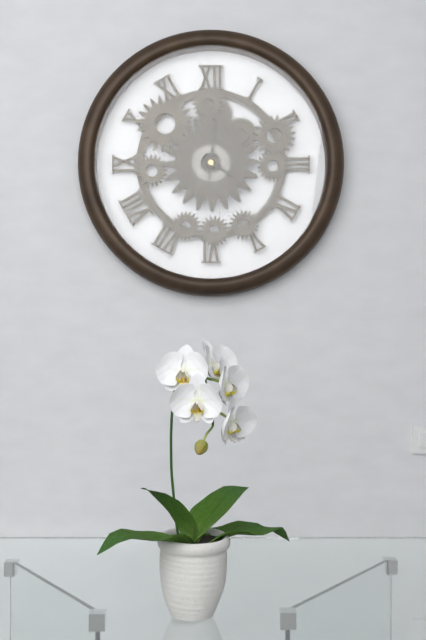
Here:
4,01
